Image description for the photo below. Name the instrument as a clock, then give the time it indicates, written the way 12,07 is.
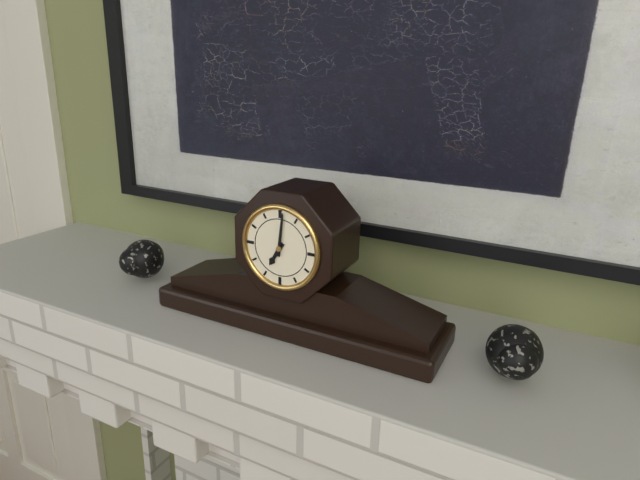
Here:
7,01
